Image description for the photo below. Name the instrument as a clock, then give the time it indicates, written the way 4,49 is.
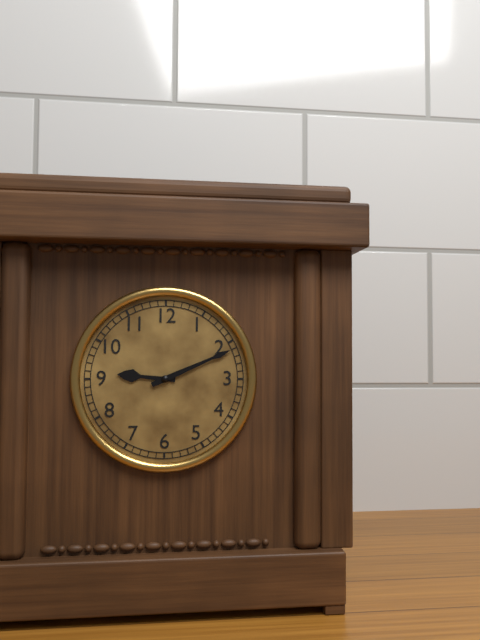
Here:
9,11
